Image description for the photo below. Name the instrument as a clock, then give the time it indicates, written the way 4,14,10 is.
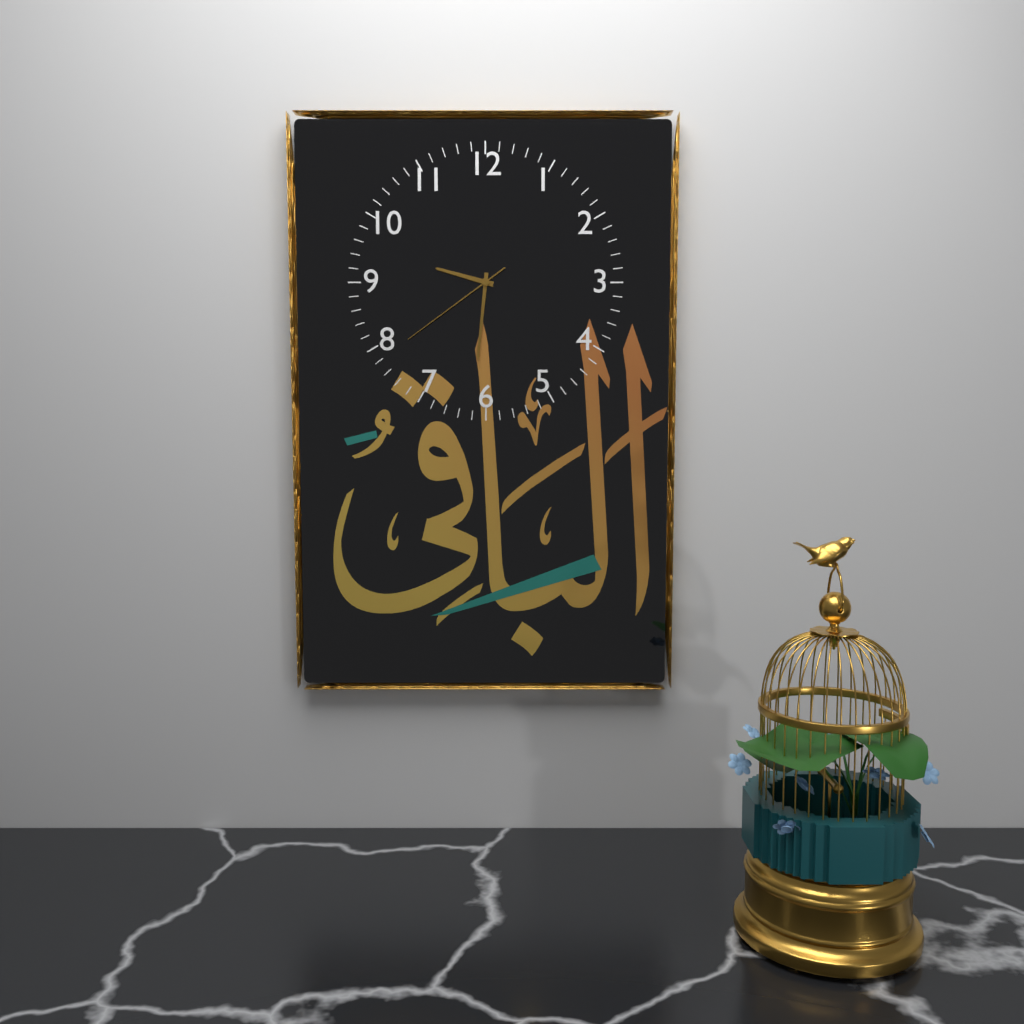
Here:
9,31,39
